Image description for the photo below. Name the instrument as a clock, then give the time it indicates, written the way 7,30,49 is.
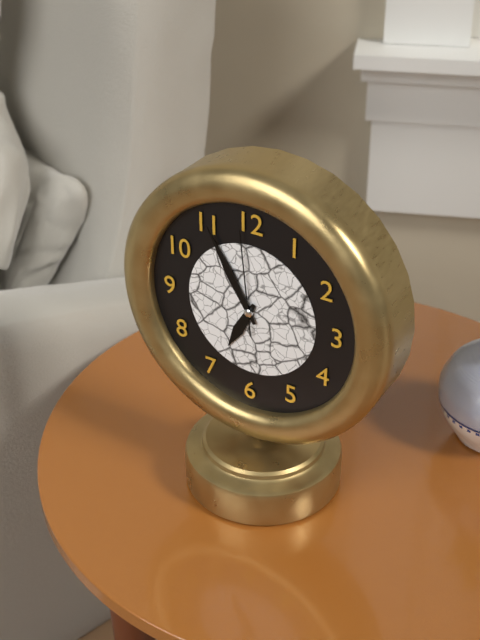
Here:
6,55,59
